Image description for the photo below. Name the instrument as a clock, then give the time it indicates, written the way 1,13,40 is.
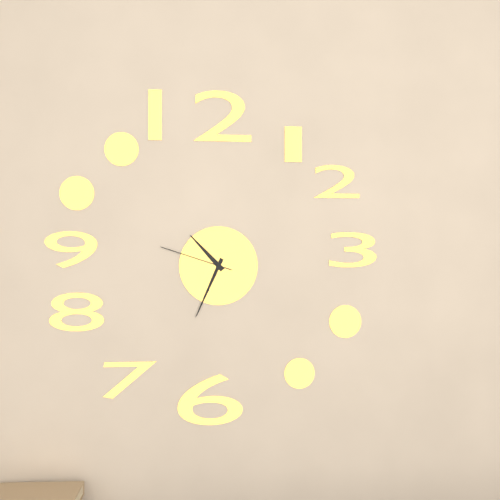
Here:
10,34,48
